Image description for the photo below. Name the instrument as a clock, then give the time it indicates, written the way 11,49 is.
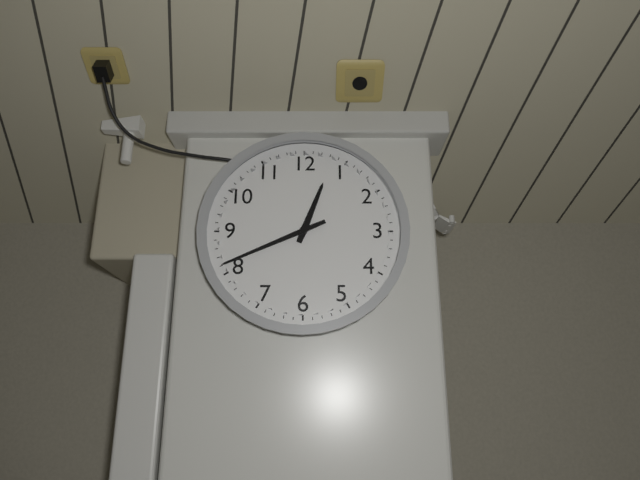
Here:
12,41
